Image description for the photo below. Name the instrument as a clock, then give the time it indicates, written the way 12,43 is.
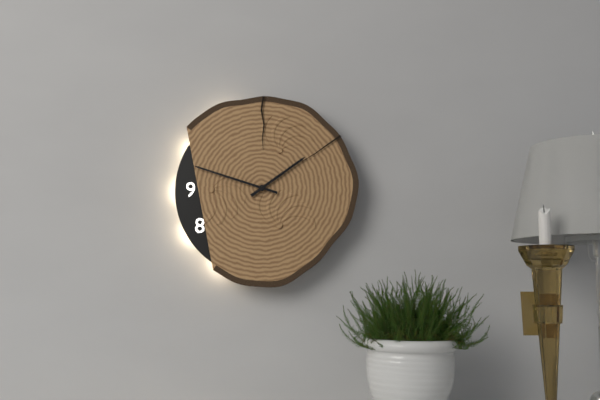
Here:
1,48
